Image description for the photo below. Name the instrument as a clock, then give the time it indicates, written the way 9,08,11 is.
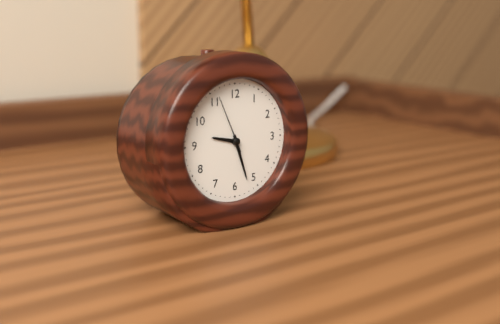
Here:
9,27,56
